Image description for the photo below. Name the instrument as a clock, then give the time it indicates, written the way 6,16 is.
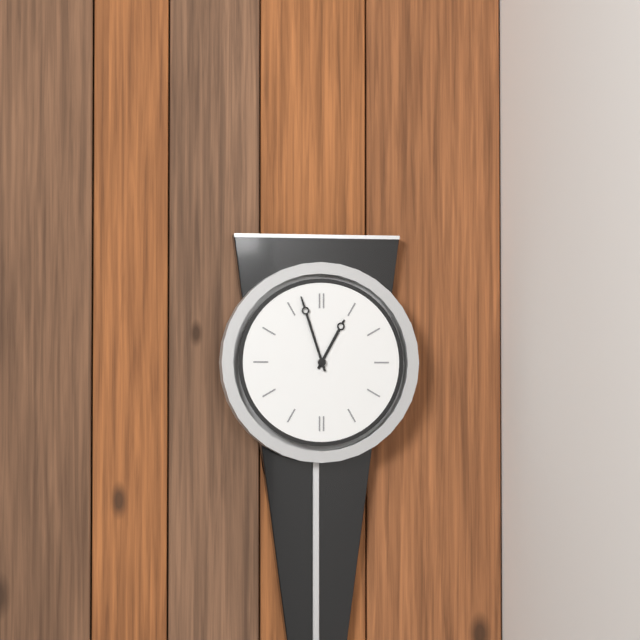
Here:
12,57
